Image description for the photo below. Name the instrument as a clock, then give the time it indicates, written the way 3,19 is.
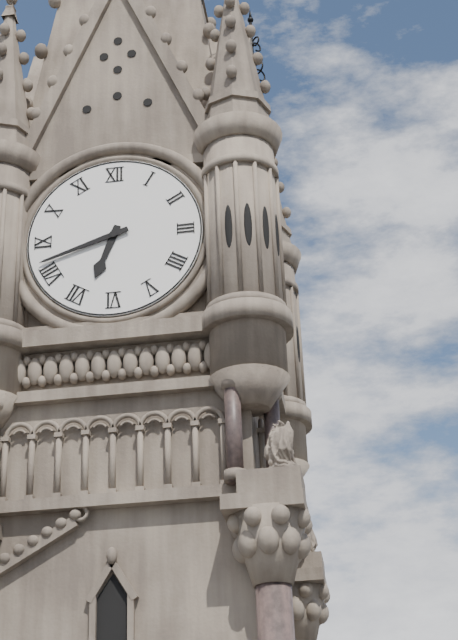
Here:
6,42
